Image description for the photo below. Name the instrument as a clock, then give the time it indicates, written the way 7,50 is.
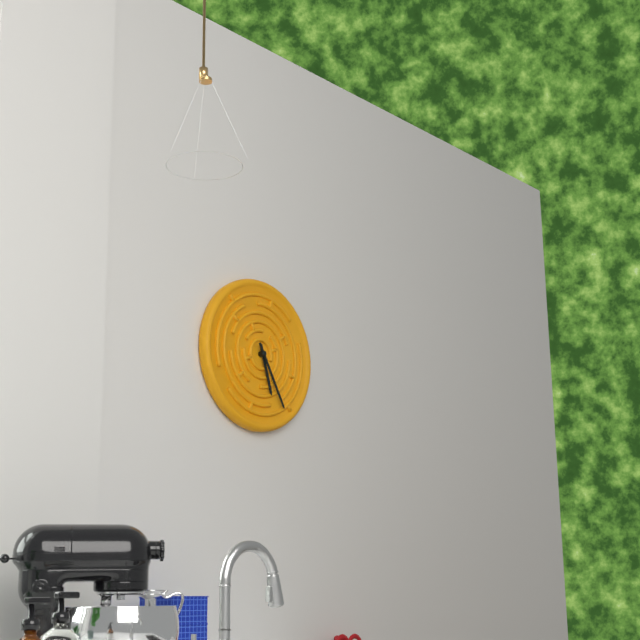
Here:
5,25
